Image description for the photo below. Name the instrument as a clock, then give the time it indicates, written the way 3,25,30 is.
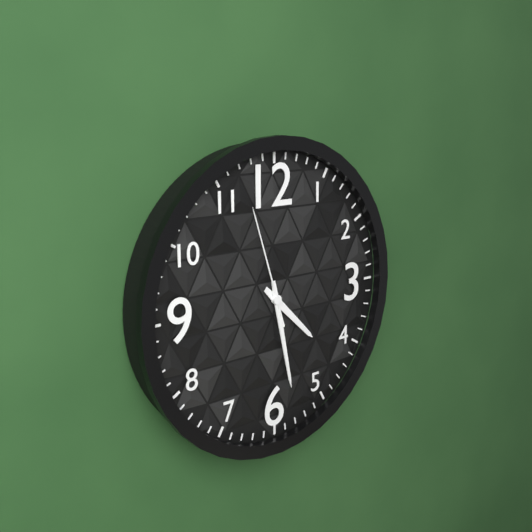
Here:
4,28,57
